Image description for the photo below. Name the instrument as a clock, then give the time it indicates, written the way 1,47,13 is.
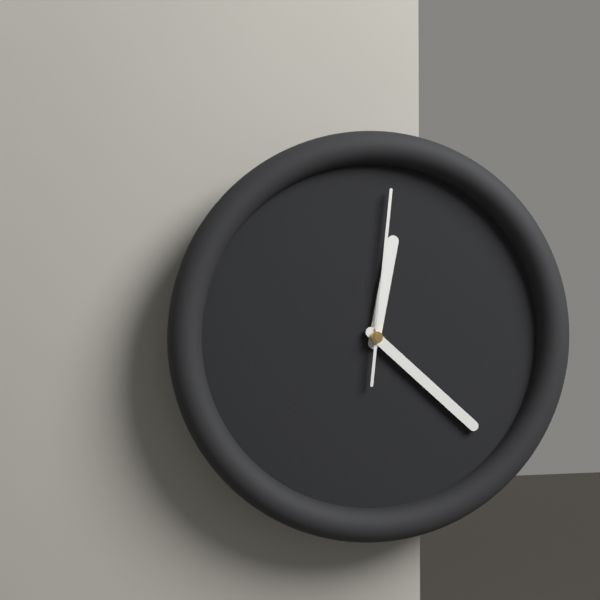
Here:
12,22,01
